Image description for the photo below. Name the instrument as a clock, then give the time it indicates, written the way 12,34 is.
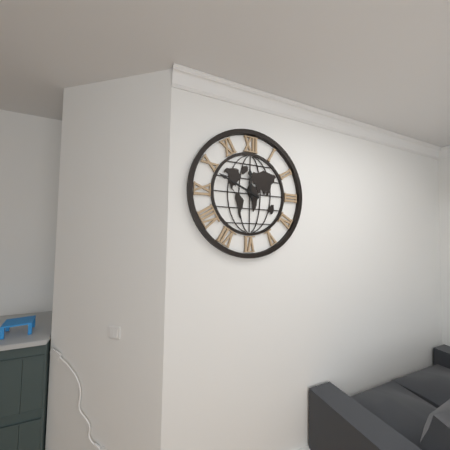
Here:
11,49
